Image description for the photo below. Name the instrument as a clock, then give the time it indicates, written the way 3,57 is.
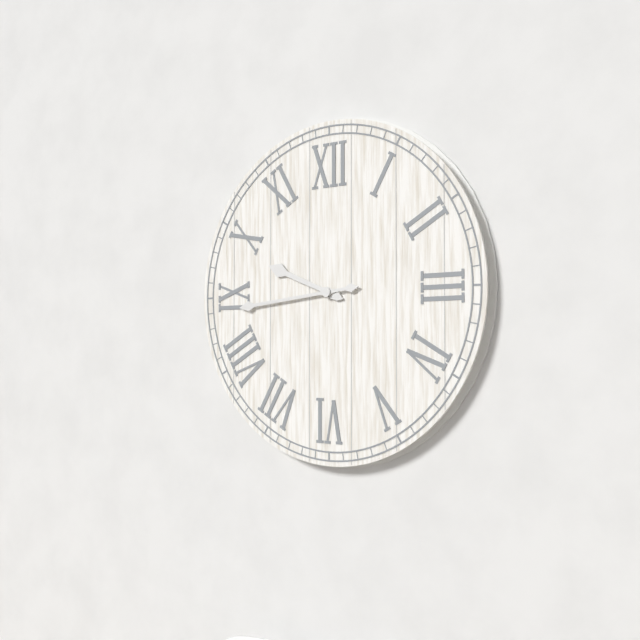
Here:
9,44
